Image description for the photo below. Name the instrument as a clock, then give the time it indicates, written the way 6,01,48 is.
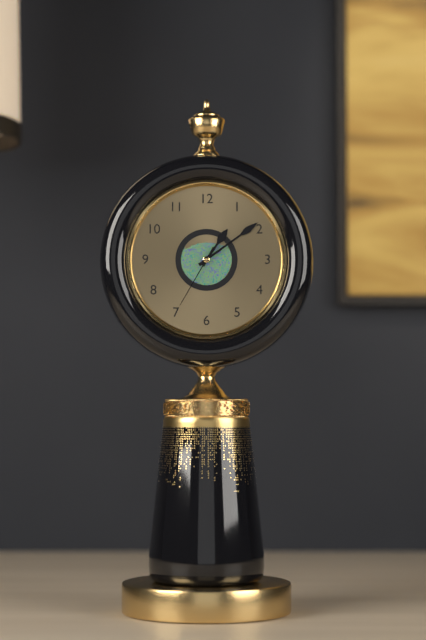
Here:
1,09,35
